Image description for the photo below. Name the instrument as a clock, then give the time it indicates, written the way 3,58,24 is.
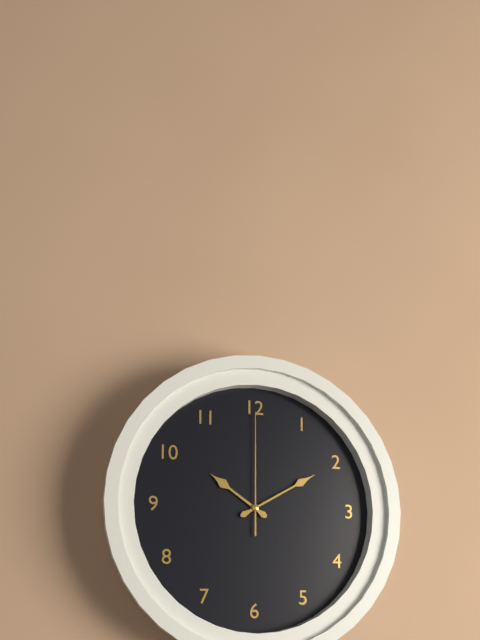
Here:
10,10,00
